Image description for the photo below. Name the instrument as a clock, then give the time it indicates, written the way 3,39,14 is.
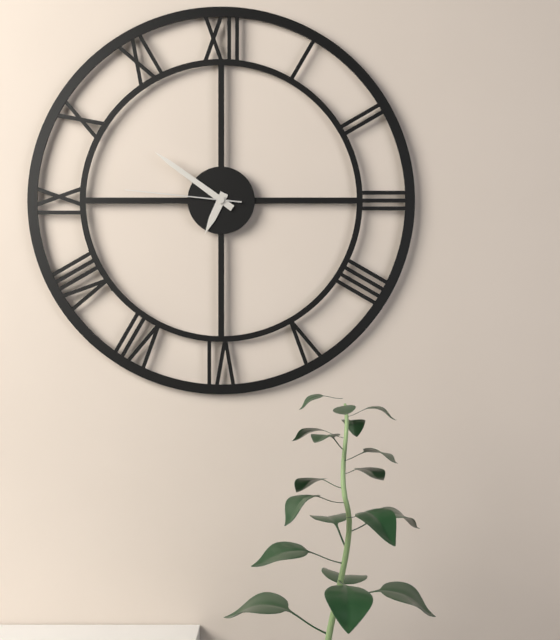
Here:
6,51,46
